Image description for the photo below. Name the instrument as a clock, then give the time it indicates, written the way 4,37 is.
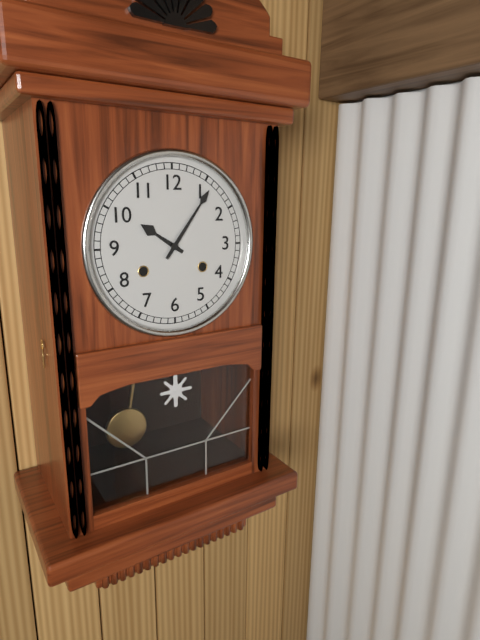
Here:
10,06
